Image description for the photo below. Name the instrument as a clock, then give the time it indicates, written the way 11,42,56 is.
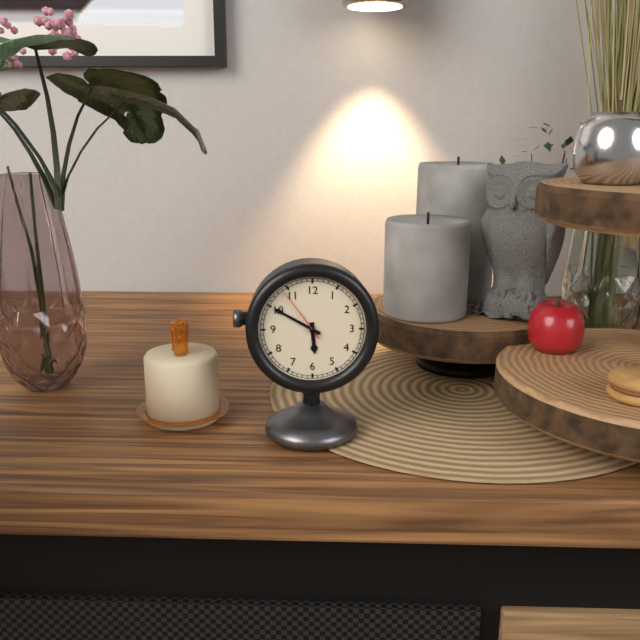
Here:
5,50,54
